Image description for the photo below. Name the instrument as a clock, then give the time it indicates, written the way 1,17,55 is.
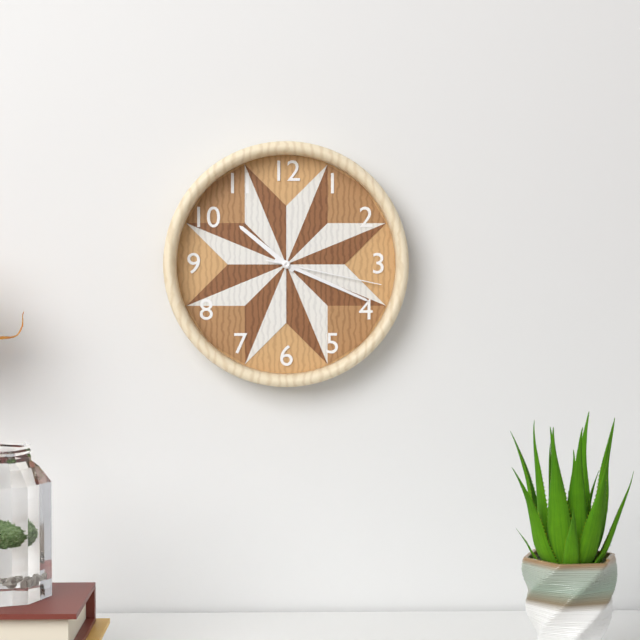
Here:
10,19,17
